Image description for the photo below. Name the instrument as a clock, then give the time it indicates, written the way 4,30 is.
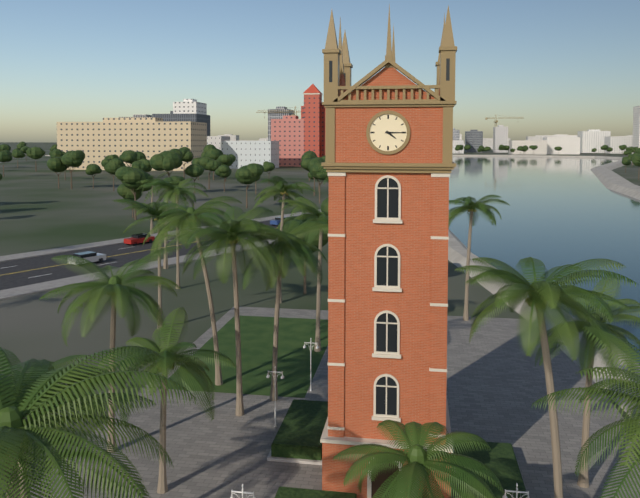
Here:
4,15
